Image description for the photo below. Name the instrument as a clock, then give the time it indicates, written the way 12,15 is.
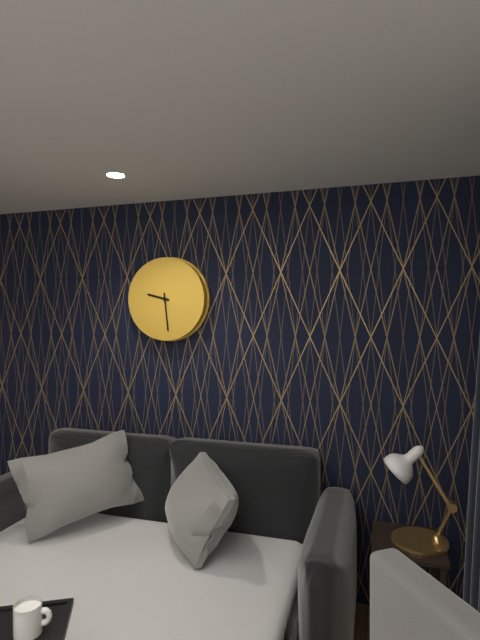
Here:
9,29
